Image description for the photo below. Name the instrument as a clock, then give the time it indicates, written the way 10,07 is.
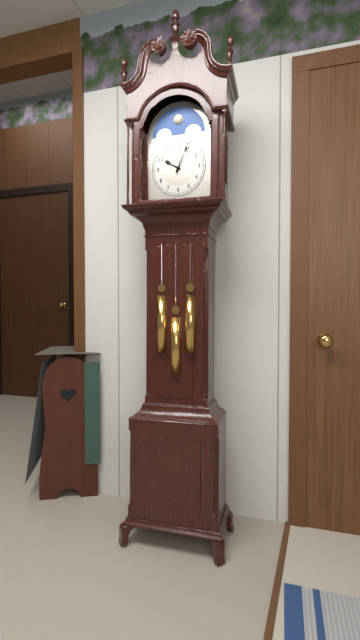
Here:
10,04
